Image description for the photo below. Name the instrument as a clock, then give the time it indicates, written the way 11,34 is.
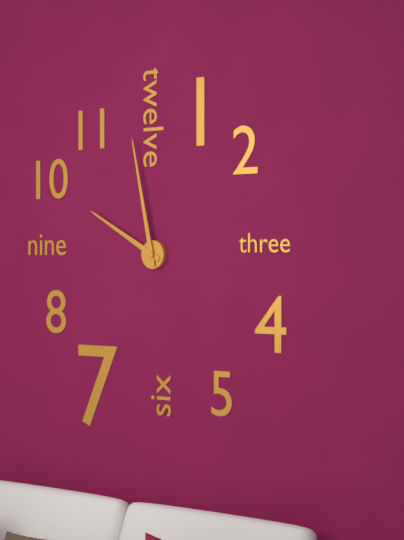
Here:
9,58
